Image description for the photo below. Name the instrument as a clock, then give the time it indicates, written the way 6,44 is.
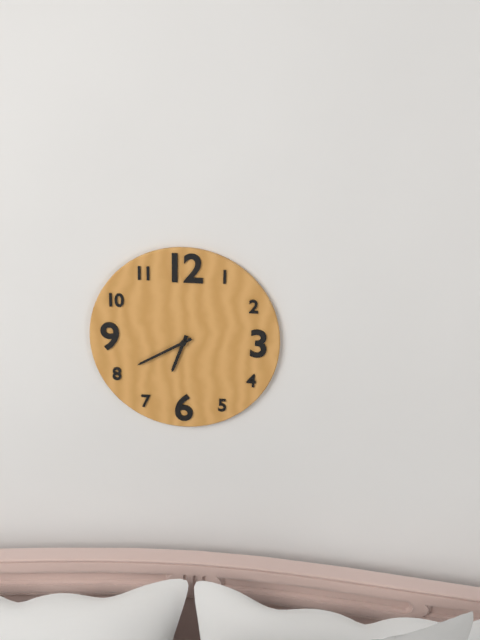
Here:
6,40
